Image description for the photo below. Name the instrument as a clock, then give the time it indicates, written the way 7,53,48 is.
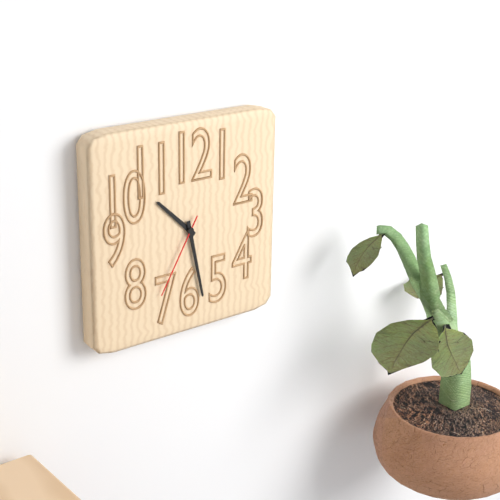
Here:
10,28,35
